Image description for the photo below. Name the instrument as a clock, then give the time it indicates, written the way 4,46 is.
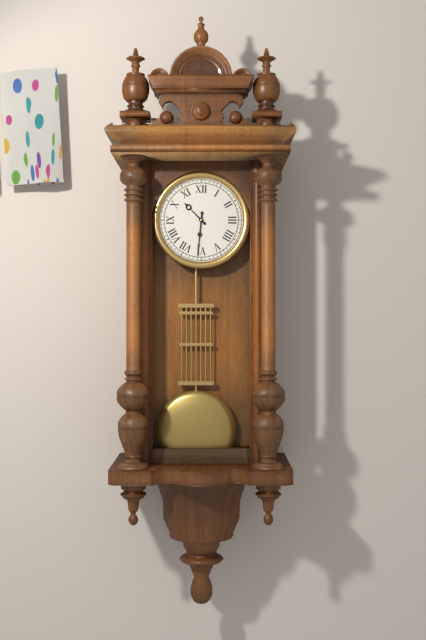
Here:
10,31
